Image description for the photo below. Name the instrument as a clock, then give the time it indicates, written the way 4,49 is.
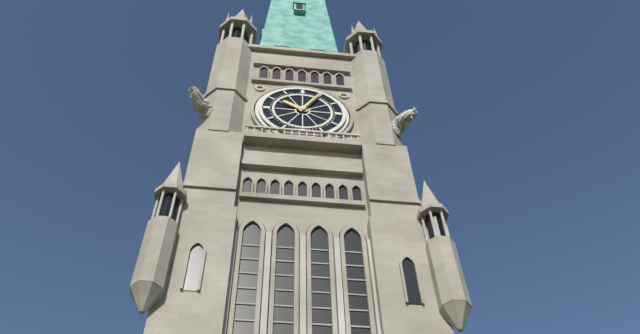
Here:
10,05
